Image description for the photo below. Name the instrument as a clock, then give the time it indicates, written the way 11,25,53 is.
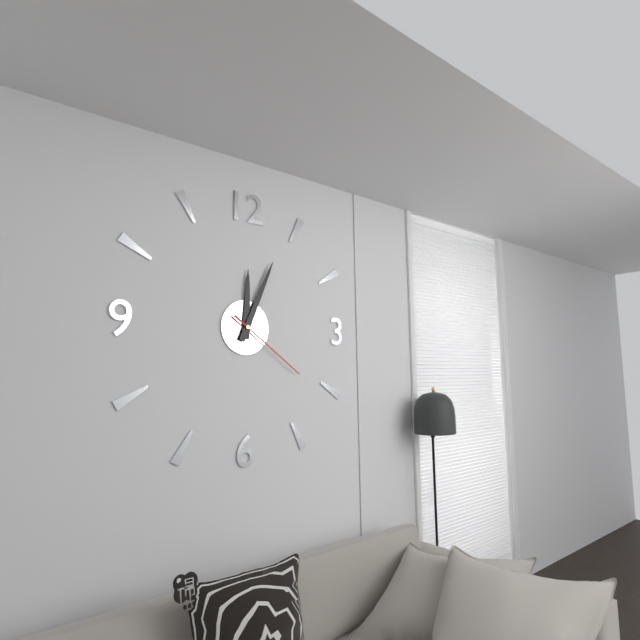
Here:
12,04,21
